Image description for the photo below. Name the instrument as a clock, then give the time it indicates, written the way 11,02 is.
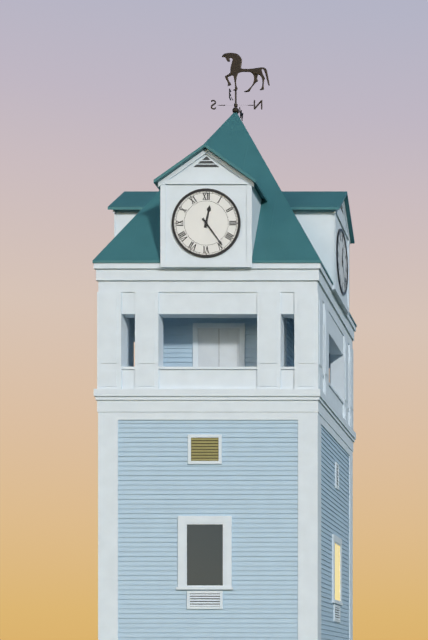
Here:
12,24
